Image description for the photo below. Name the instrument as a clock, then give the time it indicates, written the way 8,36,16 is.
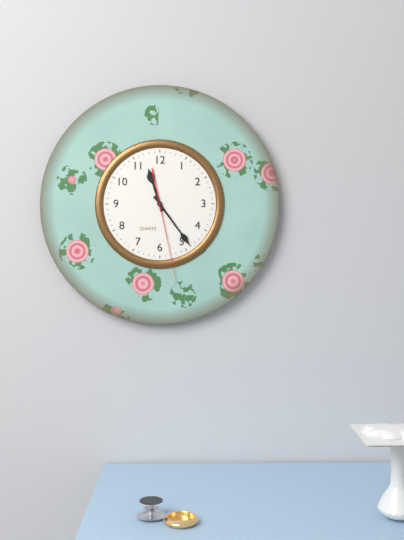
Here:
11,24,28
